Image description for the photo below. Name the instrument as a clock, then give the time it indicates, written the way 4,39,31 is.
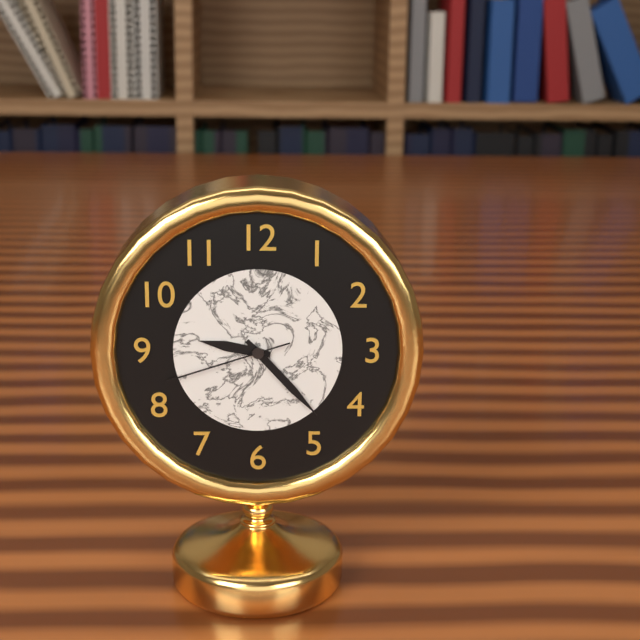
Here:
9,23,42
